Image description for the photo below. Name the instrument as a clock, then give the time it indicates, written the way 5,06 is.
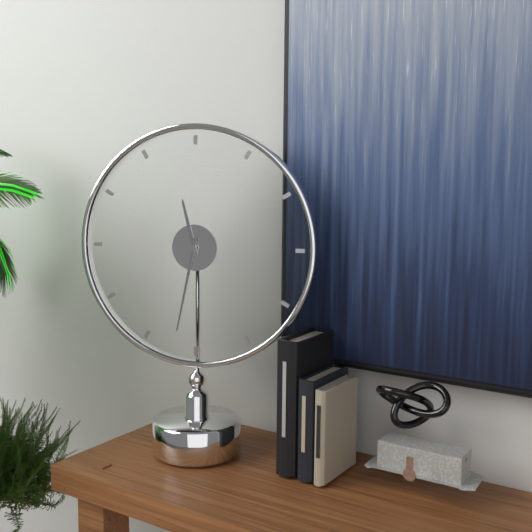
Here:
11,32
